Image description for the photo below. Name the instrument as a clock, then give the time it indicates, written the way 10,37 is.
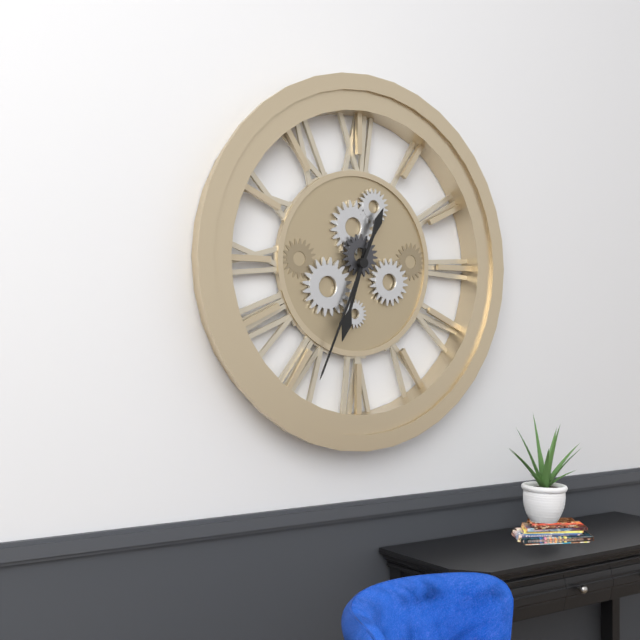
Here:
6,34
